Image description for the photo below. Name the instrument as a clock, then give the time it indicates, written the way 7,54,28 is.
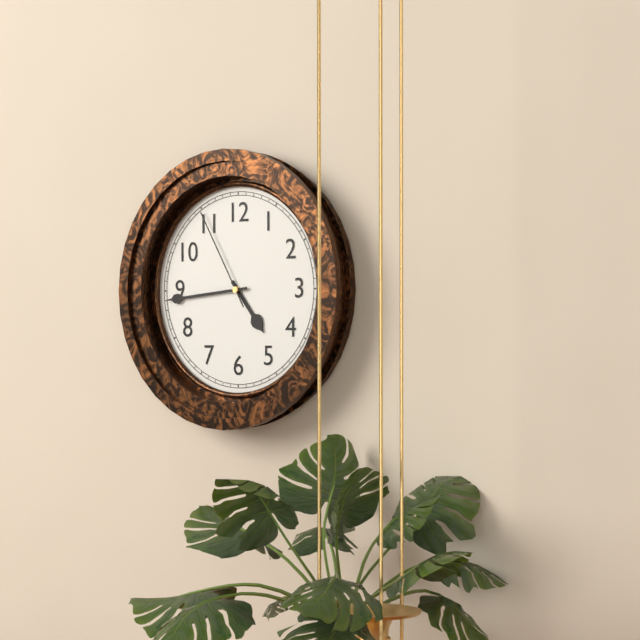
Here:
4,44,55
